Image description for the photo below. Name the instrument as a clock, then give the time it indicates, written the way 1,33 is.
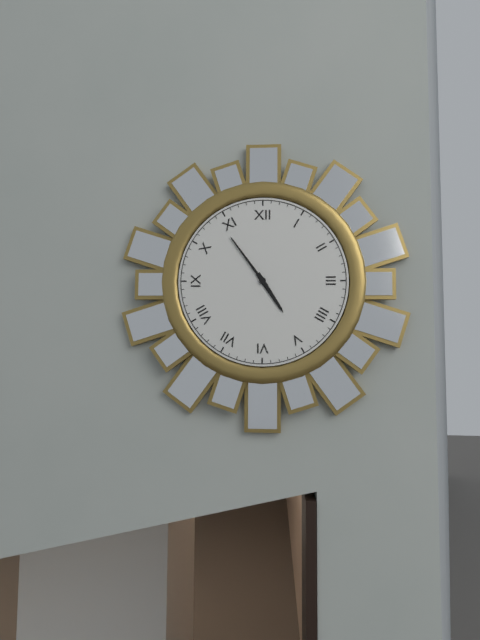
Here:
4,54
